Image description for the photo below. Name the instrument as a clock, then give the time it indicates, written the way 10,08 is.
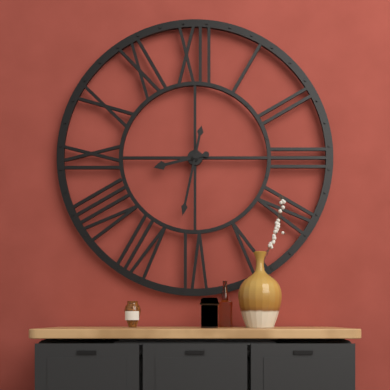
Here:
8,32
